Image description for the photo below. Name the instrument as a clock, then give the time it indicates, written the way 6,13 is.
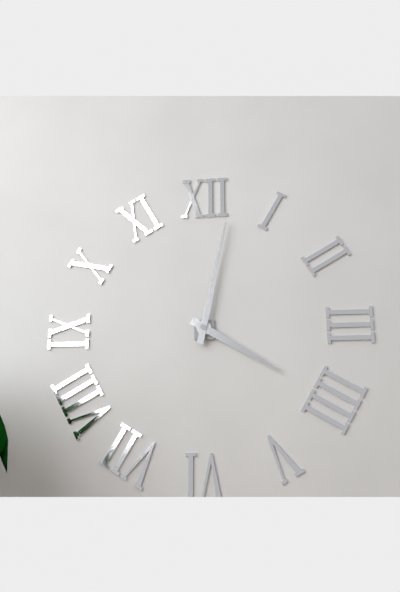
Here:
4,02
